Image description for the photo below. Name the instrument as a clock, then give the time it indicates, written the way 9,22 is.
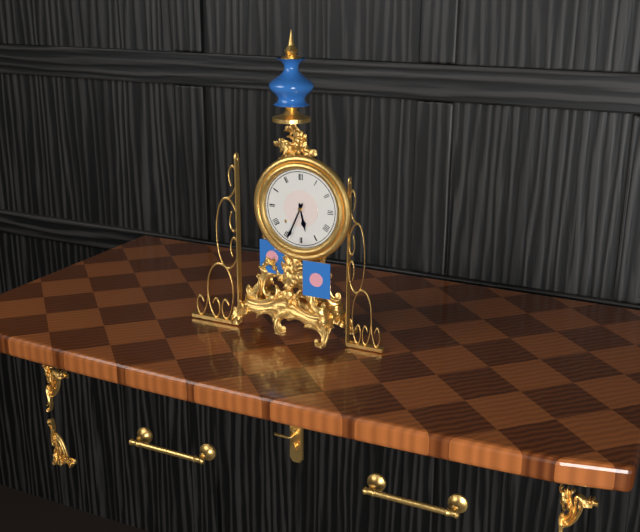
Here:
5,34
